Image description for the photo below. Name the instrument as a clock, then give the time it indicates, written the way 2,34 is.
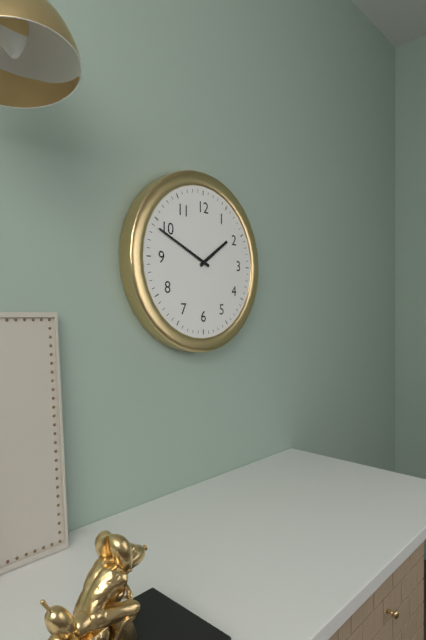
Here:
1,49
